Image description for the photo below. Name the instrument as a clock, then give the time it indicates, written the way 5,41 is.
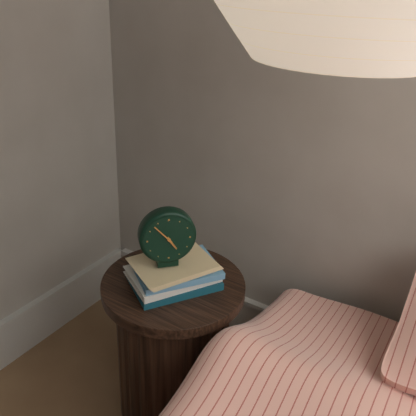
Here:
4,53
